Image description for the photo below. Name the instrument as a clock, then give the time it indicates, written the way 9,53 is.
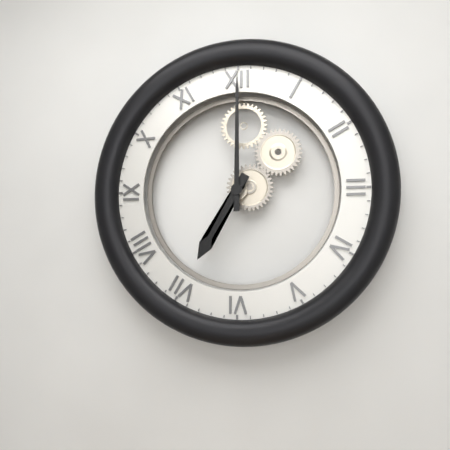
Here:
7,00
